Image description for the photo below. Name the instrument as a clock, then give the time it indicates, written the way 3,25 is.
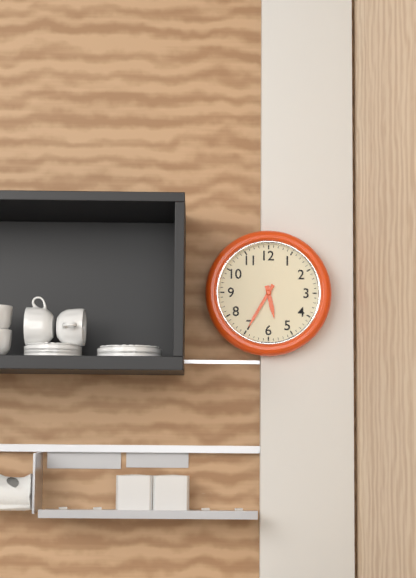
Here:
5,35
